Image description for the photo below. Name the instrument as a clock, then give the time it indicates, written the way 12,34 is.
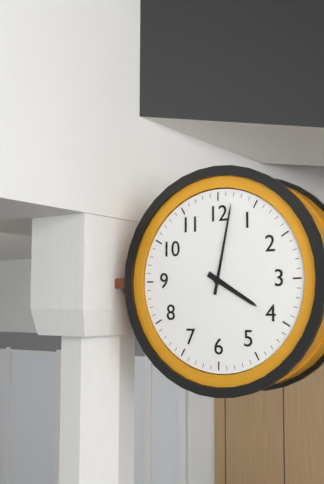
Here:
4,02
